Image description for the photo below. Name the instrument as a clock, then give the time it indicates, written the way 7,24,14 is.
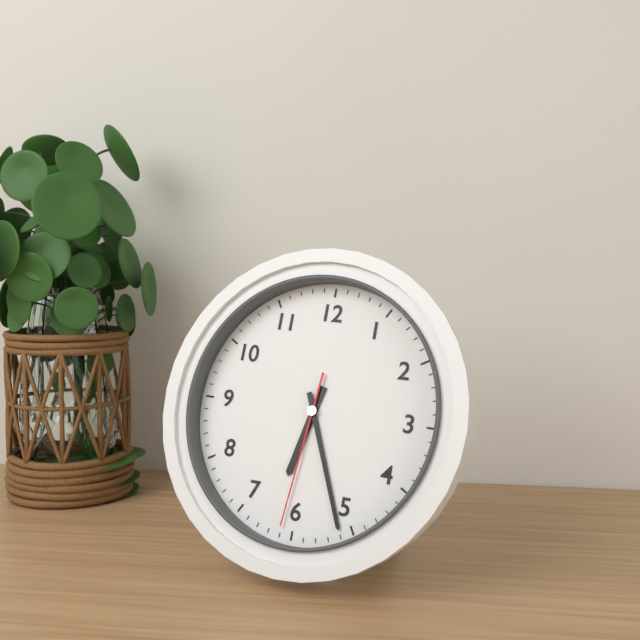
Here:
6,26,31
